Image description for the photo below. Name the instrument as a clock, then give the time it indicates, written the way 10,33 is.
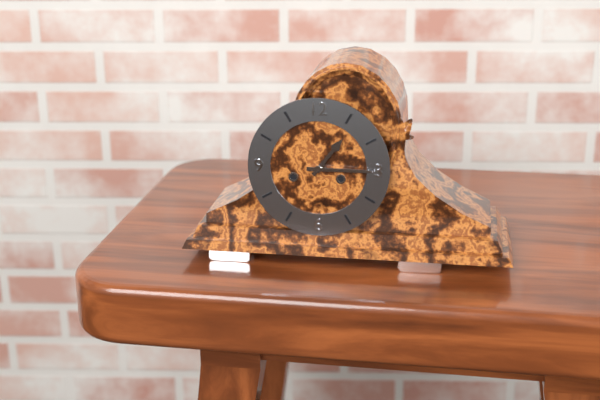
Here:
1,15
